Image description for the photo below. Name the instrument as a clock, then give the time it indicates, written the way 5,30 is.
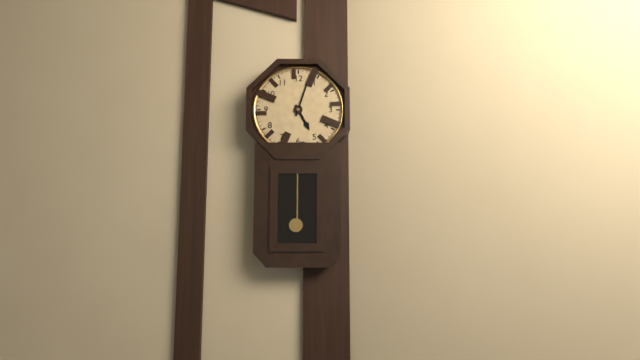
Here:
5,03
